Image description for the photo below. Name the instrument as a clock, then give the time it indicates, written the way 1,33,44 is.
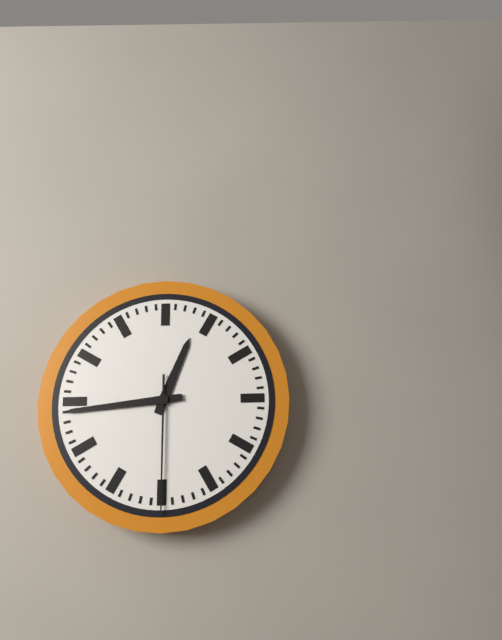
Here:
12,44,30
